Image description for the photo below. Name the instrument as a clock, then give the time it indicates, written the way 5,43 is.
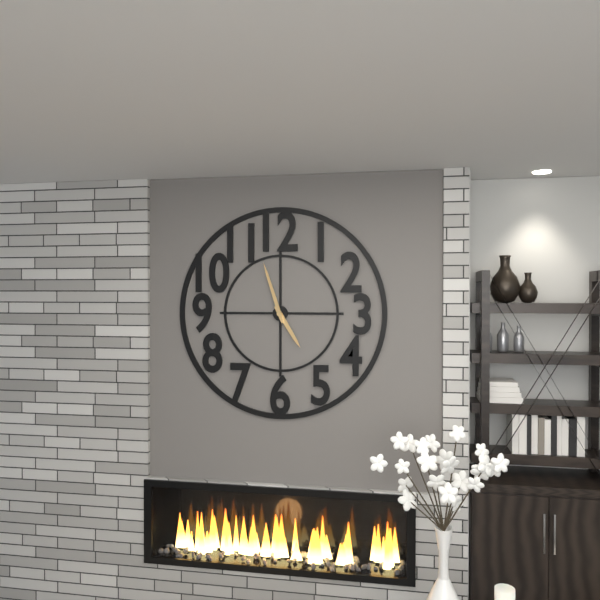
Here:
4,57
